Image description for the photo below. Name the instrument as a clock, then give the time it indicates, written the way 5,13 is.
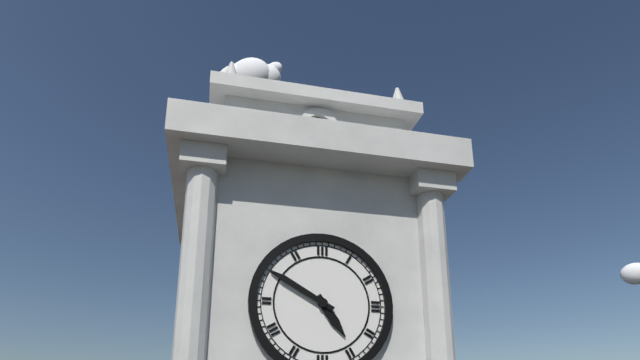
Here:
4,50
